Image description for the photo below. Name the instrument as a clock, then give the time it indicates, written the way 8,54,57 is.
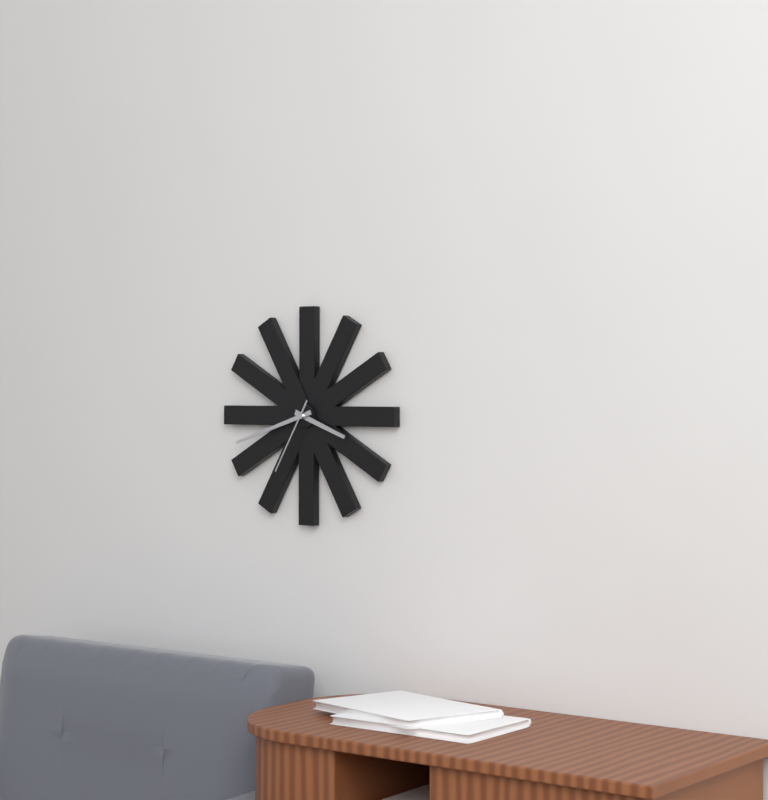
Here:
3,42,35
